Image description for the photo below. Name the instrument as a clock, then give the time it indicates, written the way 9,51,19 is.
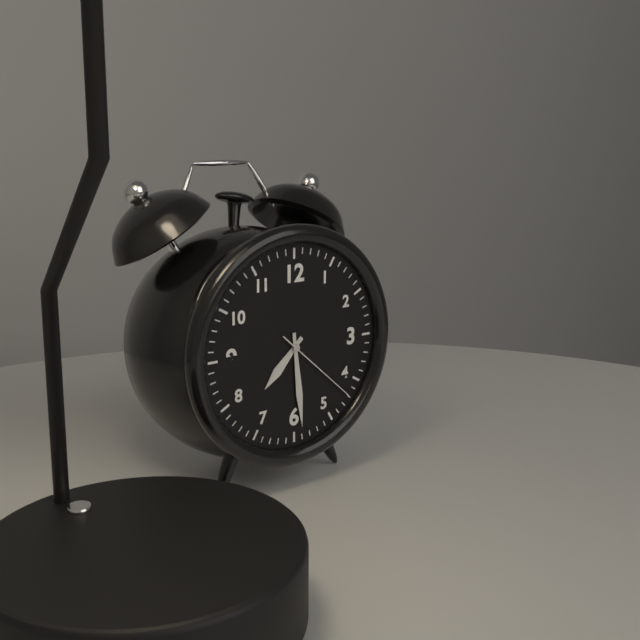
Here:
7,29,22
